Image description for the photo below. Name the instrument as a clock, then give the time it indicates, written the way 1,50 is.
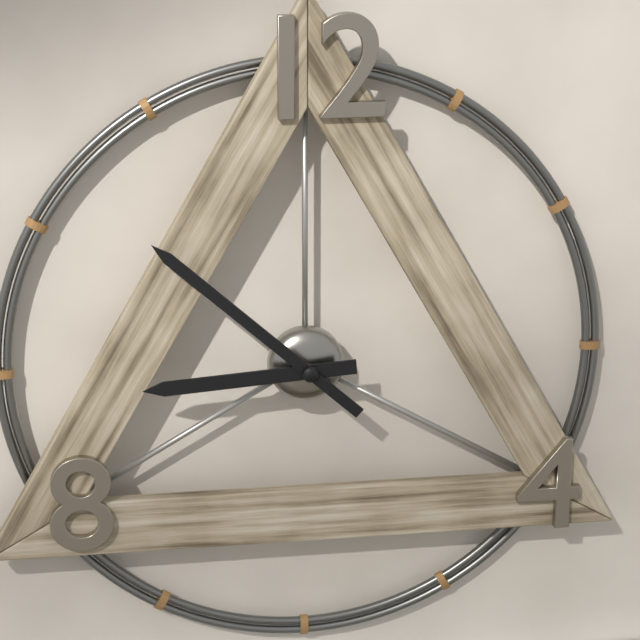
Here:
8,52
